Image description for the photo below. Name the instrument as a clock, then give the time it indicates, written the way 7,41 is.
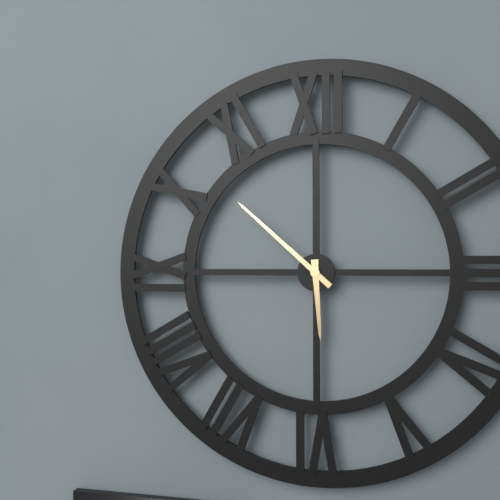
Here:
5,52
